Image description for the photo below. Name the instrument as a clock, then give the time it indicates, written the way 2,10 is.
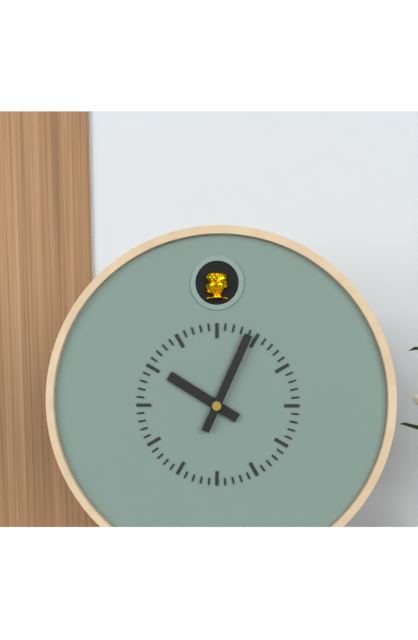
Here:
10,04
